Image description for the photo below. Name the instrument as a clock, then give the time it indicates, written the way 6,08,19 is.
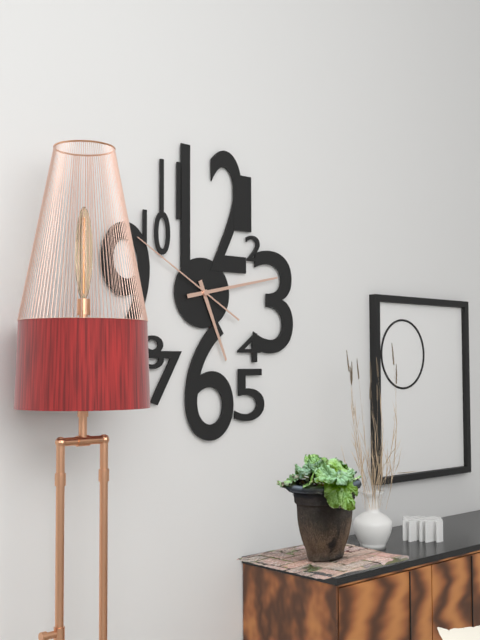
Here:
5,13,50
